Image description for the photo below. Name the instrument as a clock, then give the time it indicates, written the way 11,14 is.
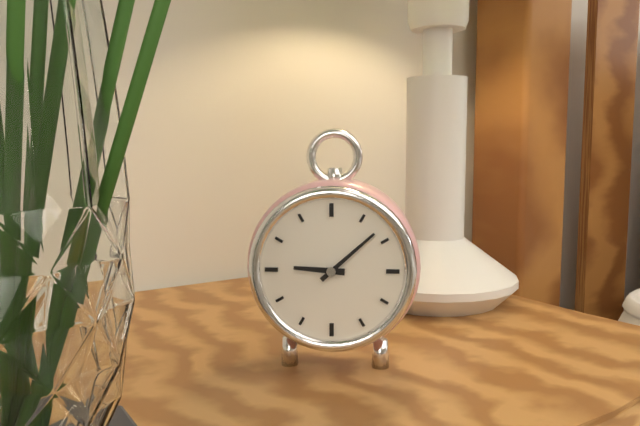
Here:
9,08
